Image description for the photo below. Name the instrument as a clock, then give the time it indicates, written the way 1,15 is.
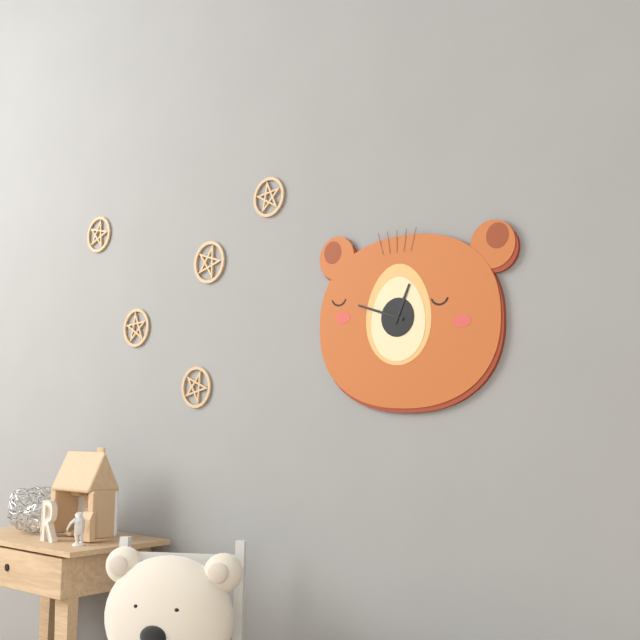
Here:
12,48
